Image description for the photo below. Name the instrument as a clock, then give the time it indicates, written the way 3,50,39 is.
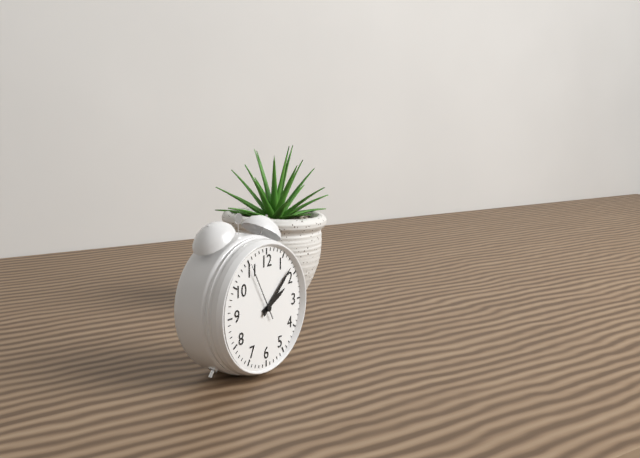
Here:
2,08,55
